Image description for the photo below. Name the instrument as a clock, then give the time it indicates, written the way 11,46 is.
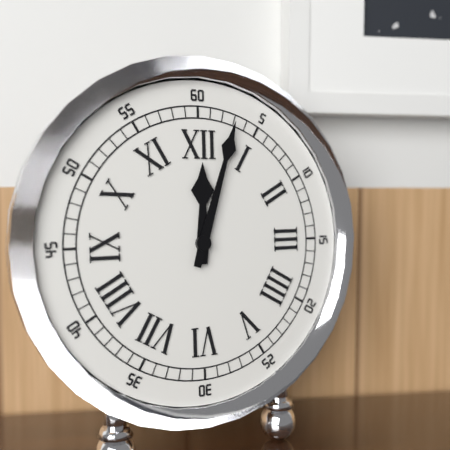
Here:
12,03
